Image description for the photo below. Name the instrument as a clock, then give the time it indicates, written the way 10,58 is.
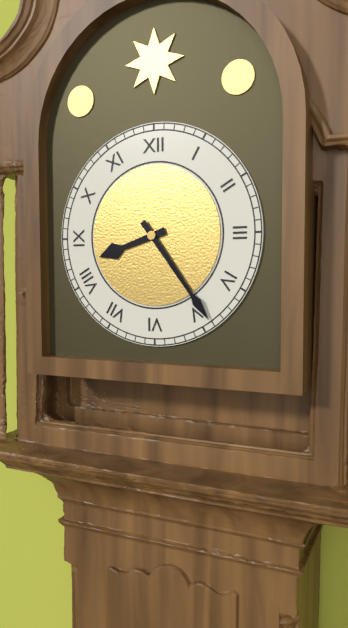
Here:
8,24
